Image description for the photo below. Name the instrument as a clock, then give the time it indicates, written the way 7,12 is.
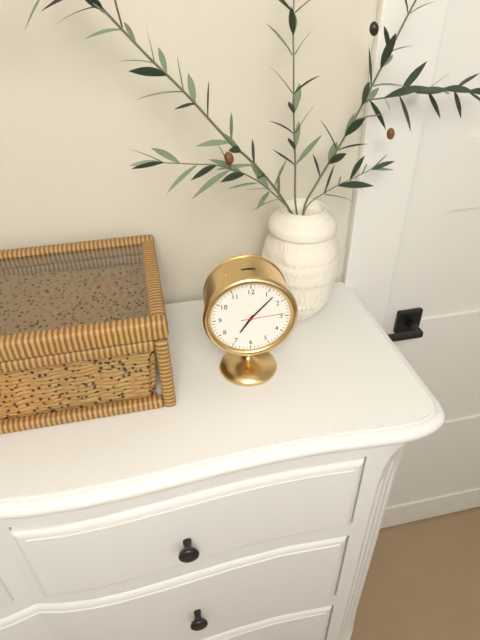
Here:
7,07
